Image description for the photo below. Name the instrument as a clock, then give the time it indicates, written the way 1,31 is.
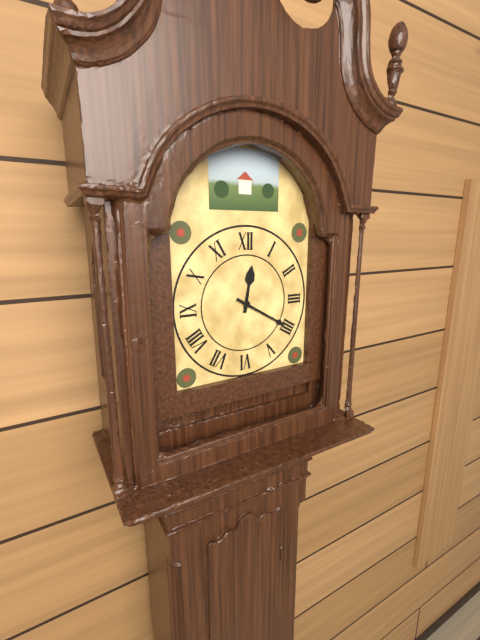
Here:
12,20
